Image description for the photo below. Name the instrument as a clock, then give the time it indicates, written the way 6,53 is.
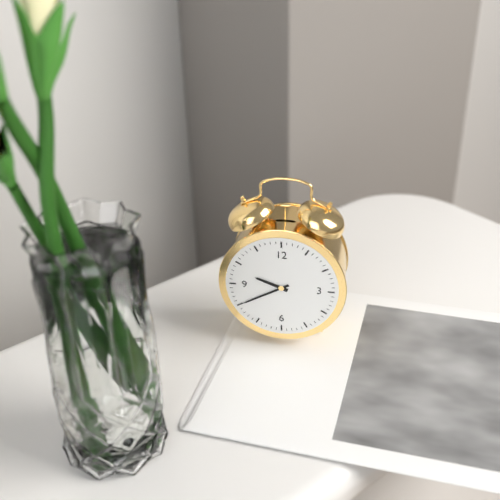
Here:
9,40
